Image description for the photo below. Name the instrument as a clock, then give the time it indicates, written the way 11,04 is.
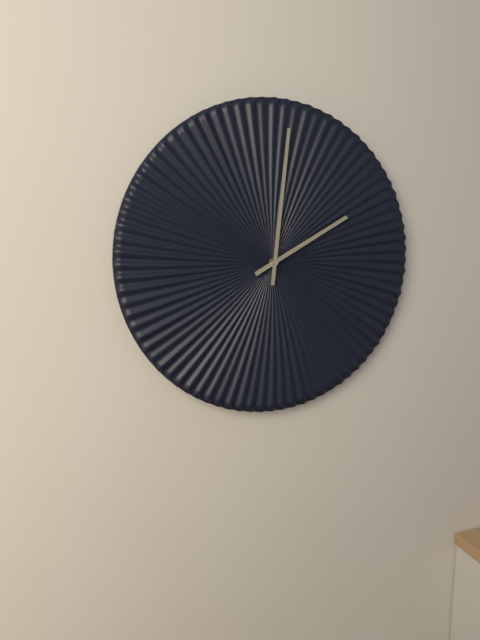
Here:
2,01
